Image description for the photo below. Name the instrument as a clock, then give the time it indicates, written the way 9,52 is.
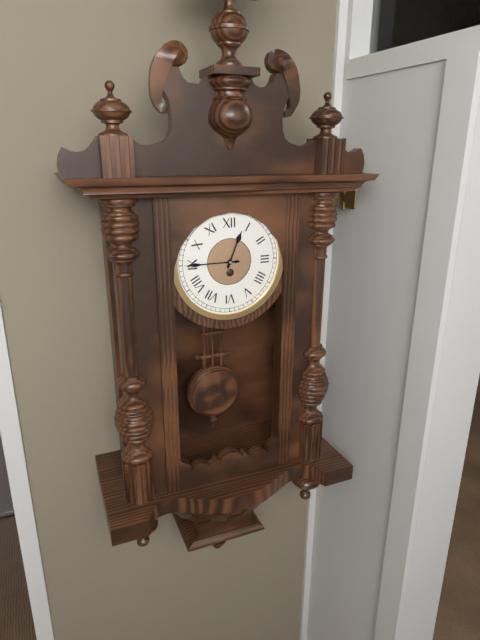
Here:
12,45
